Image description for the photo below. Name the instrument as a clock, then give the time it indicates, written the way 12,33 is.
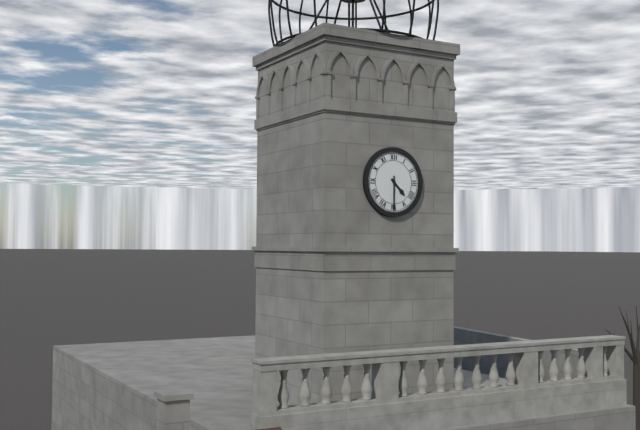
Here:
4,30
